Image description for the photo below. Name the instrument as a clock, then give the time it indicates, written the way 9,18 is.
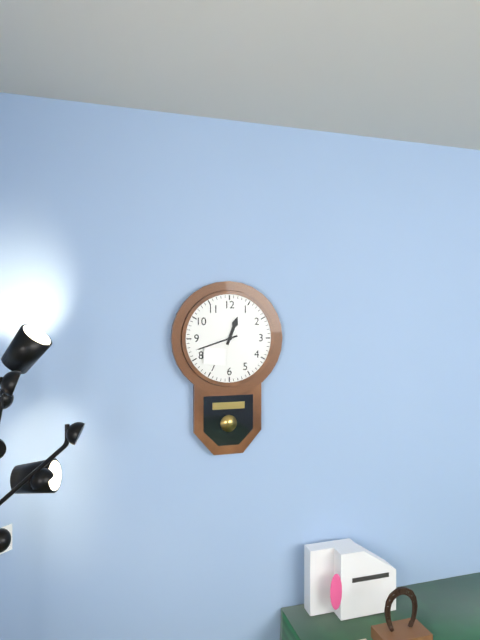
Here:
12,42
